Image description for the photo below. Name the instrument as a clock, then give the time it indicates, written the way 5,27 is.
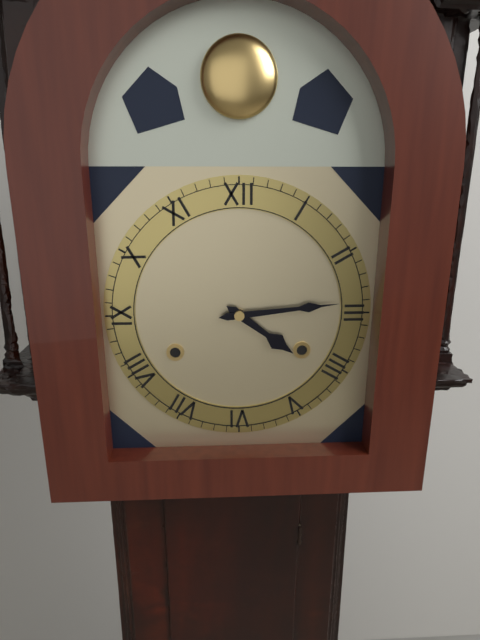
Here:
4,14
